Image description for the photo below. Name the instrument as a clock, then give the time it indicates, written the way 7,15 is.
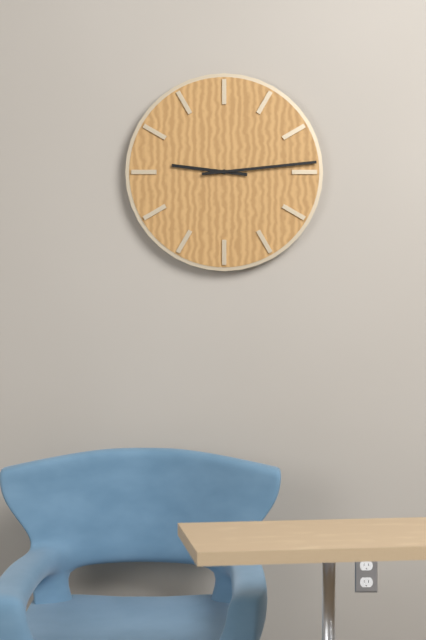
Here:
9,14
